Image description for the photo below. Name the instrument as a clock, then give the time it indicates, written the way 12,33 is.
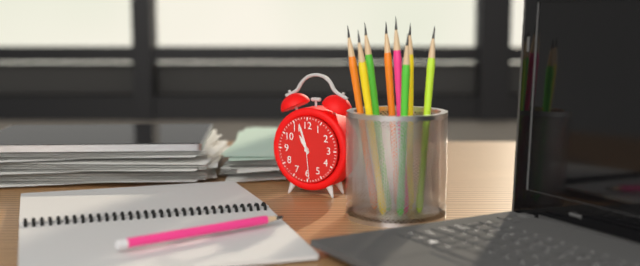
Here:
10,57
